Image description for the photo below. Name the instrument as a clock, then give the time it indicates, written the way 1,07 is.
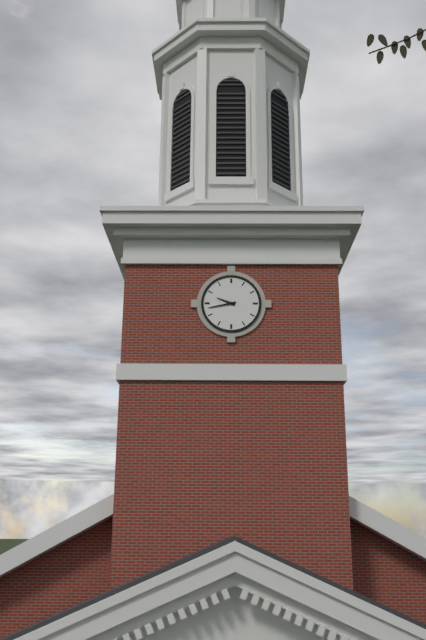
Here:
9,43
